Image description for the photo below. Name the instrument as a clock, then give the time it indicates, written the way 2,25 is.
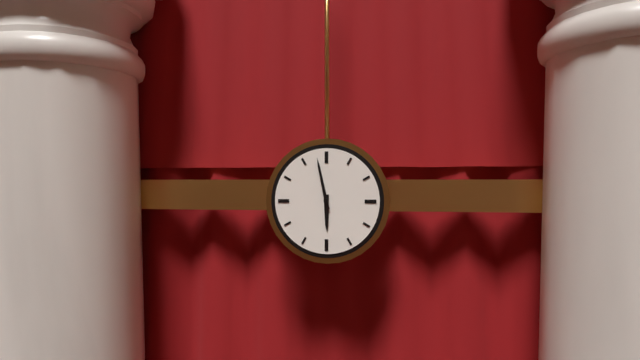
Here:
5,58
